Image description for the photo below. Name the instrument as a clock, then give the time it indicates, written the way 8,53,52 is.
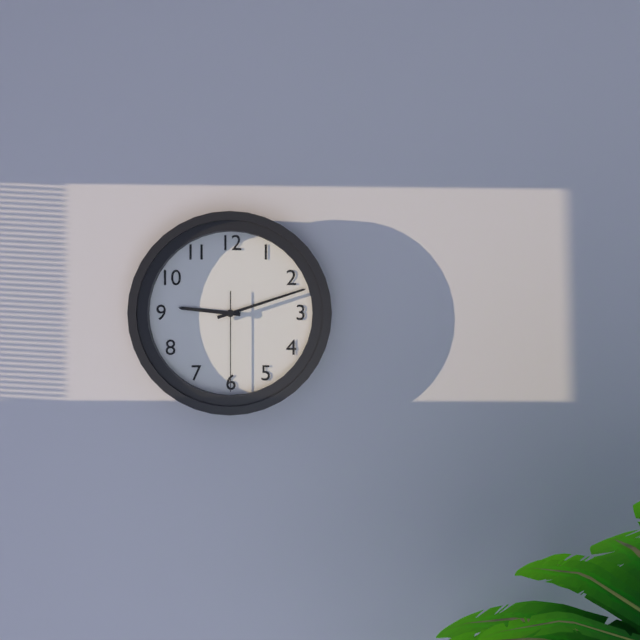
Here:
9,12,30
